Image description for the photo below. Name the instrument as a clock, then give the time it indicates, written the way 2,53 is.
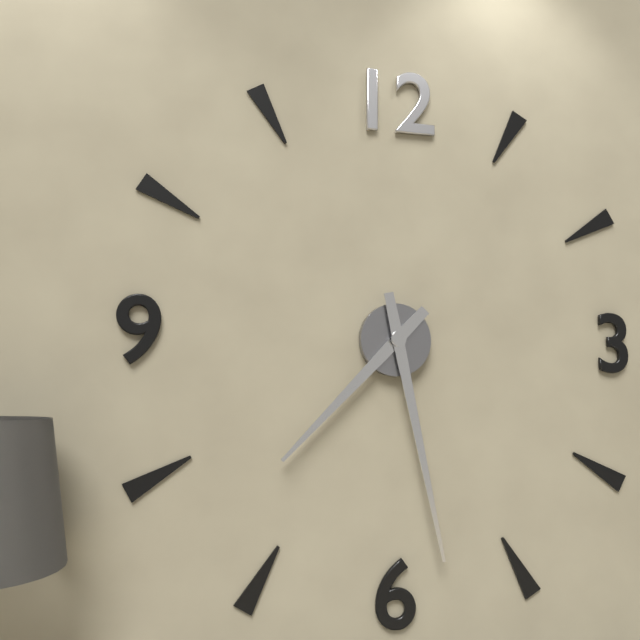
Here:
7,28
